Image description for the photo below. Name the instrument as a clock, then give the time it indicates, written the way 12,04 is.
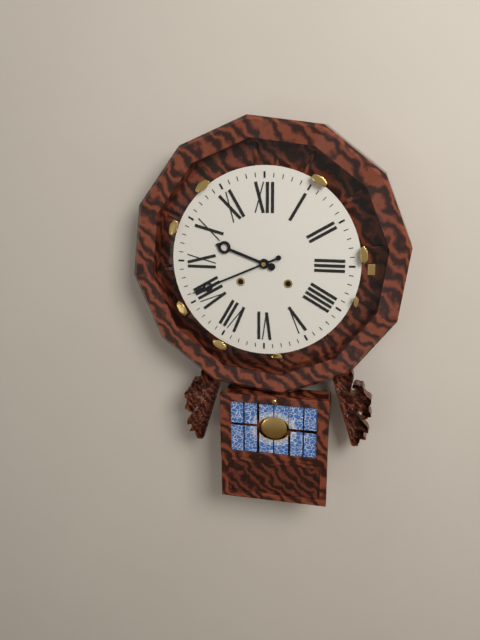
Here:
9,41
